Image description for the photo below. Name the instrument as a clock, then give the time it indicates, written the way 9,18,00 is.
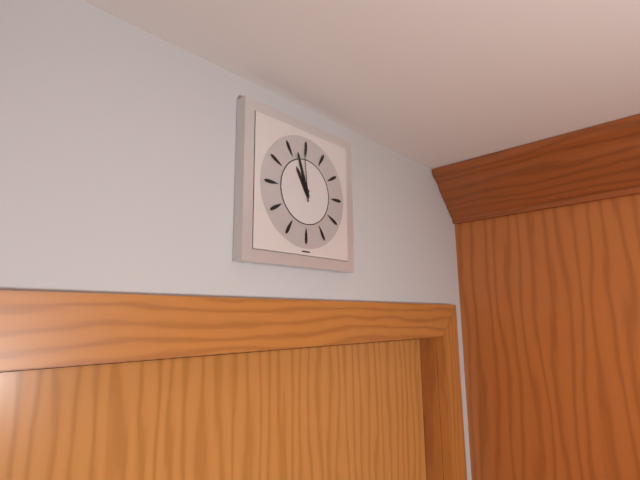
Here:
10,57,59
